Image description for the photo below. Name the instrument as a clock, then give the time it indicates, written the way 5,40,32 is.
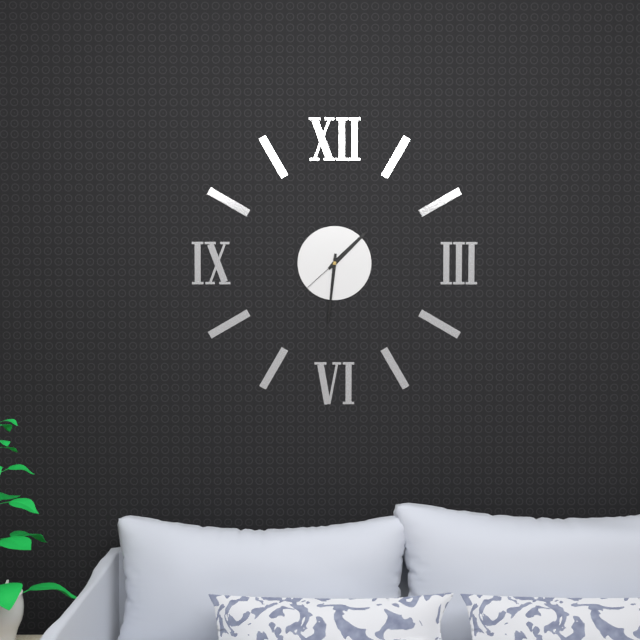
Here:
1,31,38
